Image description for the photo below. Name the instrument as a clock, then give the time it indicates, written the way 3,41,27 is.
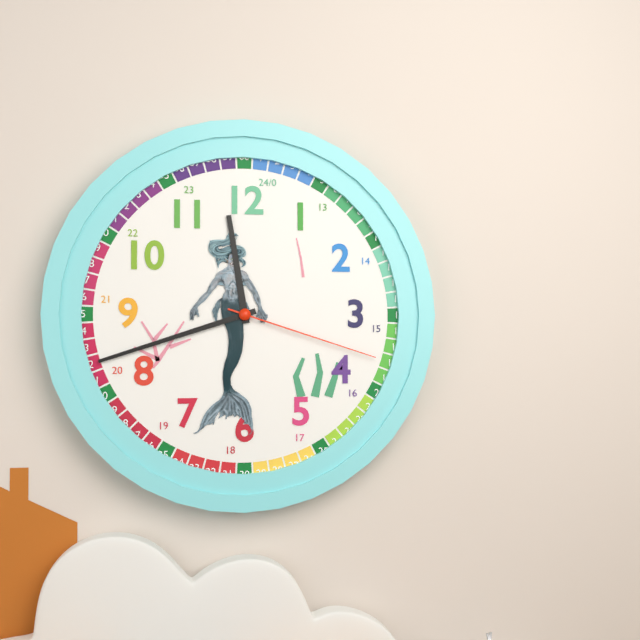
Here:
11,42,18
